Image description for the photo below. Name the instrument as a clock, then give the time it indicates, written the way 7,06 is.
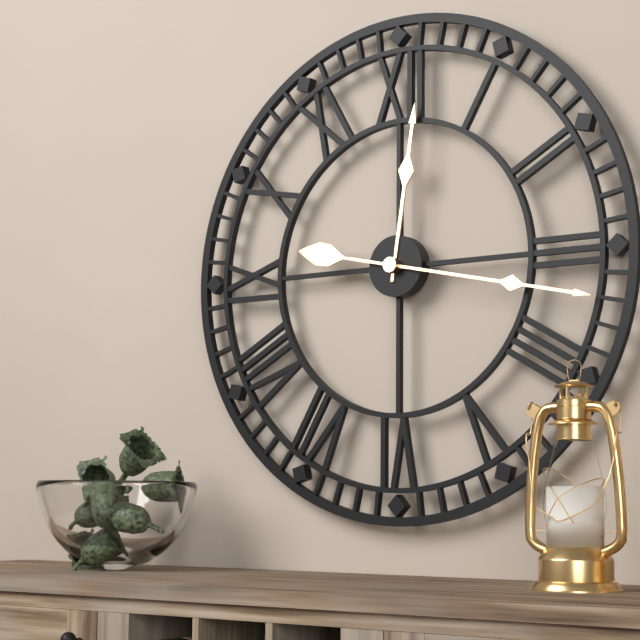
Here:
12,17
